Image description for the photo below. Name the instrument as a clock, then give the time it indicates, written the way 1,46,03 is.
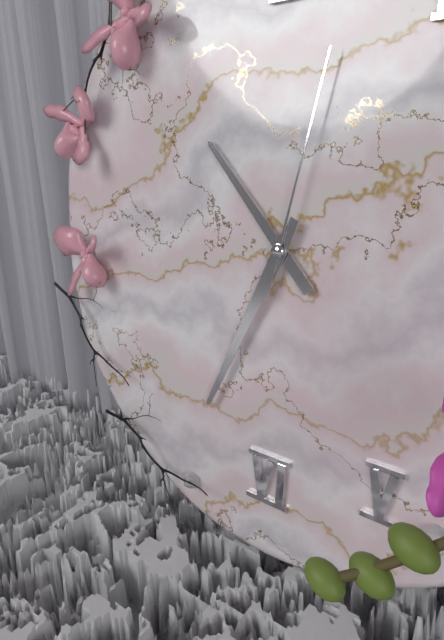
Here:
10,34,02
